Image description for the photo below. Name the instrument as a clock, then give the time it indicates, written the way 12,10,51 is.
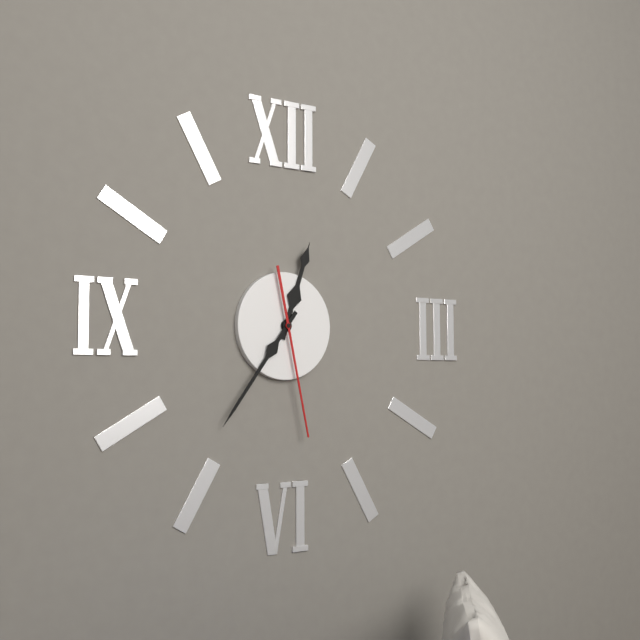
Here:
12,36,28
